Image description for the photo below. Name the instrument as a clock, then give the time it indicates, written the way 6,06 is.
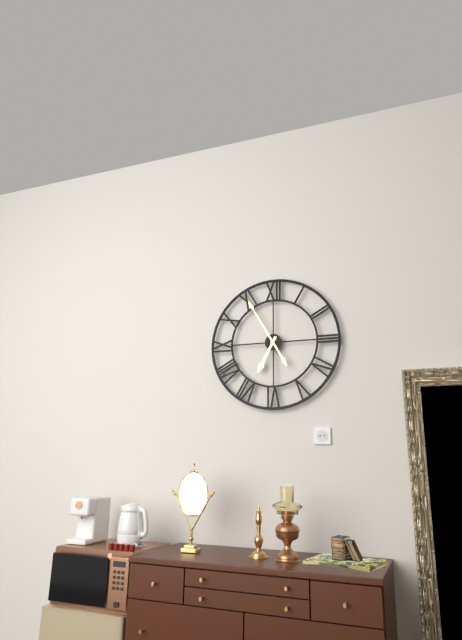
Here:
6,55
